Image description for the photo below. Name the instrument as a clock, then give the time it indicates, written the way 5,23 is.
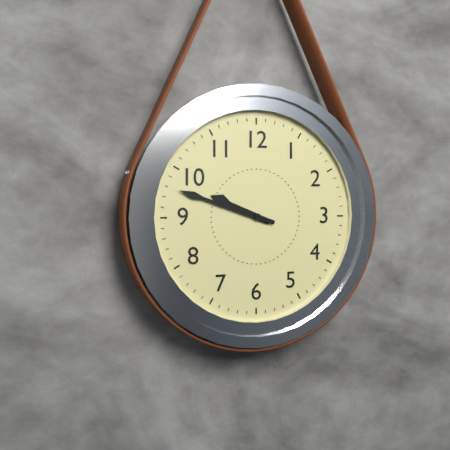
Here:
9,48
